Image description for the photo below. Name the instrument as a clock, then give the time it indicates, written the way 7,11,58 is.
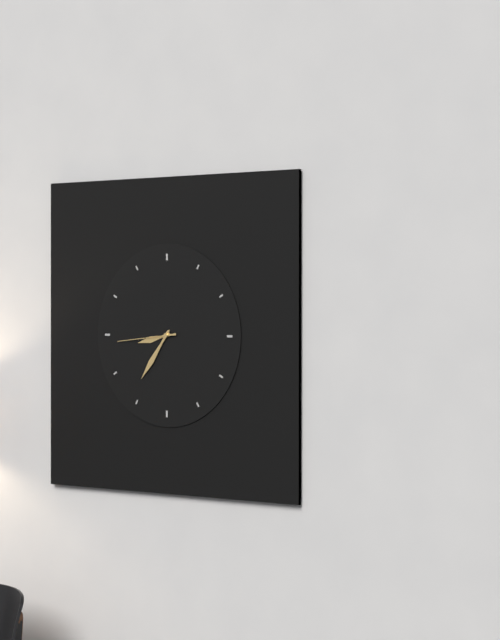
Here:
8,36,44
